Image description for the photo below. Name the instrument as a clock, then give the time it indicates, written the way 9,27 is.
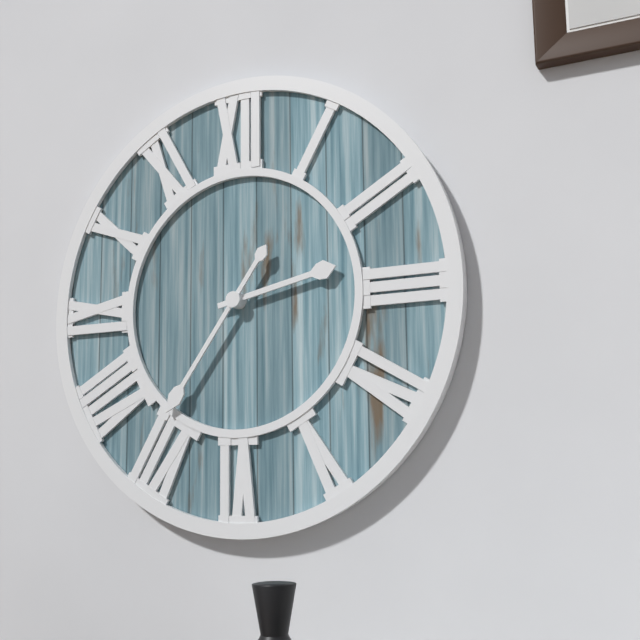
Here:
2,36
